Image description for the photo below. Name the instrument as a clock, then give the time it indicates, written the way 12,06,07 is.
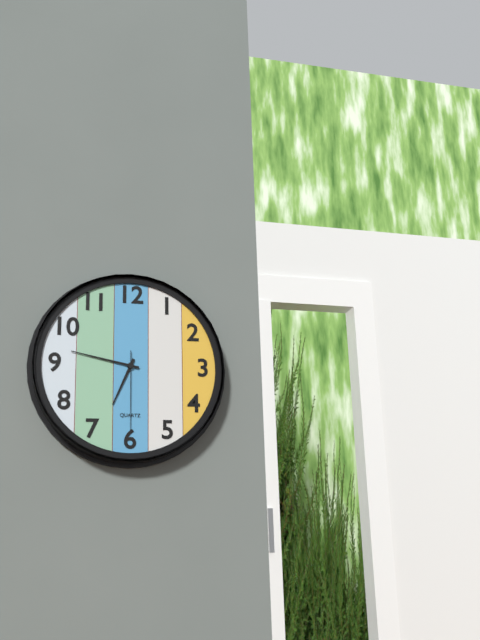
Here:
6,47,30
